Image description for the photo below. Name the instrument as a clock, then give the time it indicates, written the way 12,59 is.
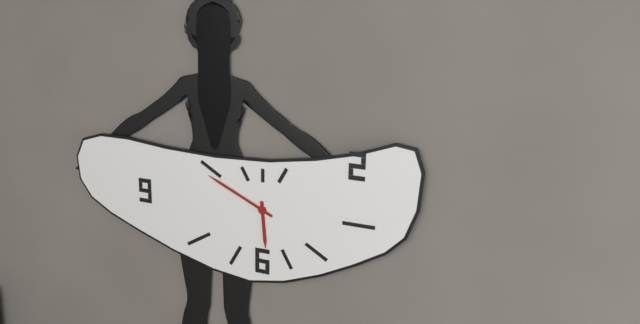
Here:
5,49
